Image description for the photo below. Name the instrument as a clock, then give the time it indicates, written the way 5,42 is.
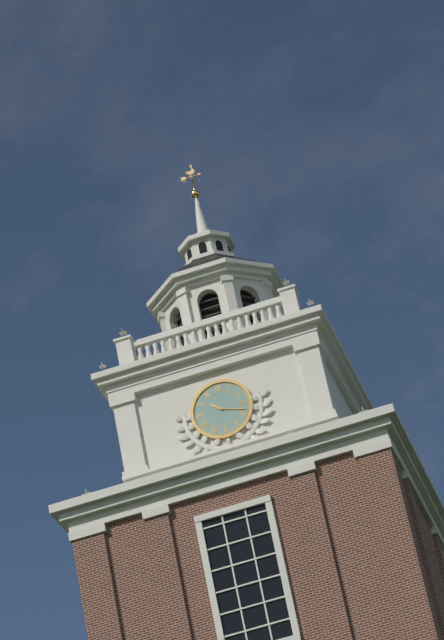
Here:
10,18
